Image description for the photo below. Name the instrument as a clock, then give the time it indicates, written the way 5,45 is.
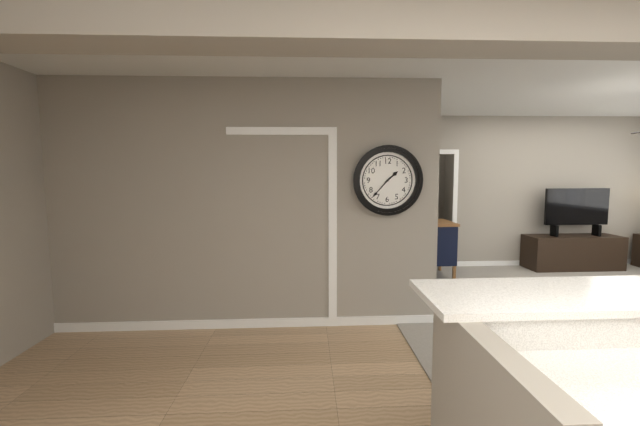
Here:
1,37
